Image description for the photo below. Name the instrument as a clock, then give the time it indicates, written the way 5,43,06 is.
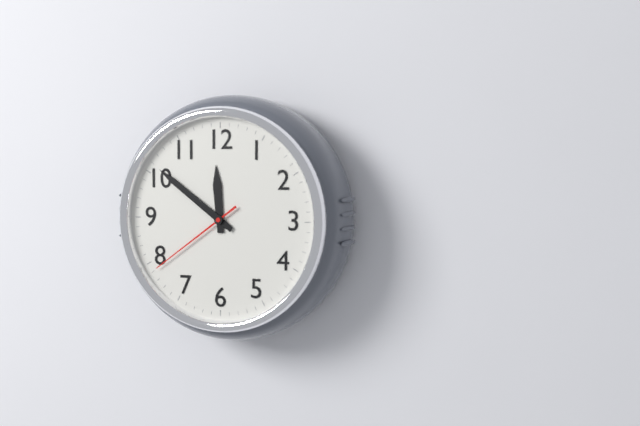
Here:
11,51,39
